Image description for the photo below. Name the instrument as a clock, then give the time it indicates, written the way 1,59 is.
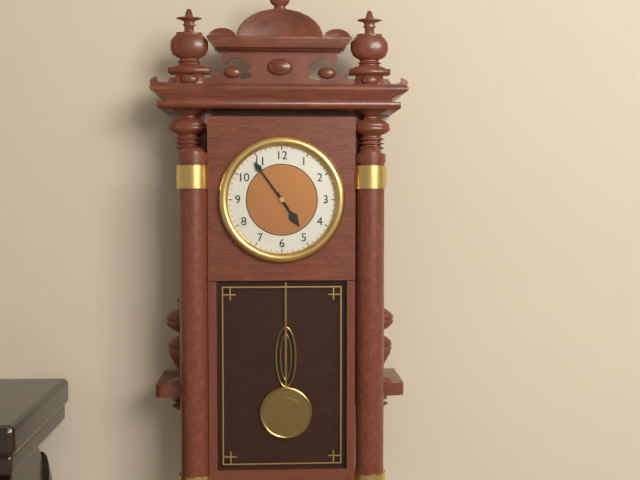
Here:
4,54
